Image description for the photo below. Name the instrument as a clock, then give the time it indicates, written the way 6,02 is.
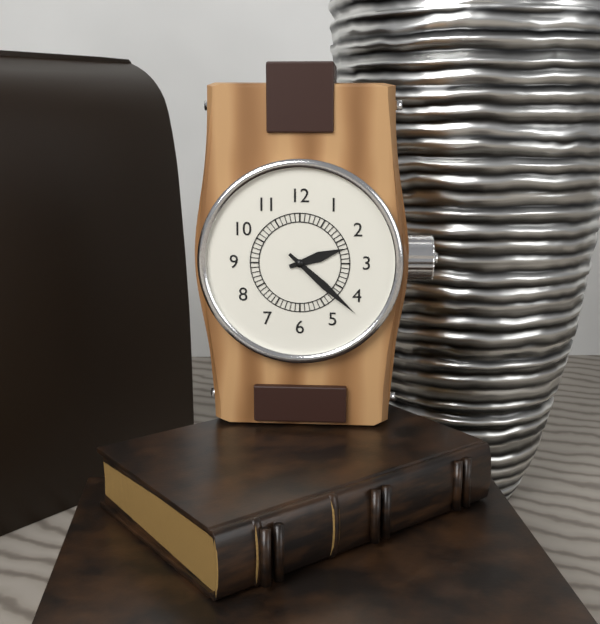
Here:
2,22
